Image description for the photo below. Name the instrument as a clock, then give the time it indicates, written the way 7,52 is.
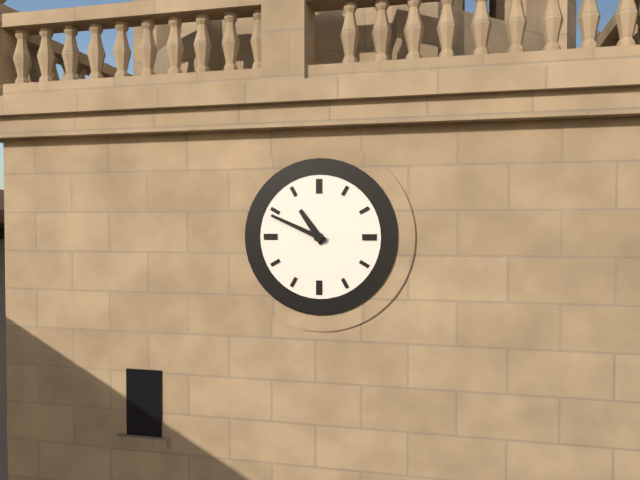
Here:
10,49
